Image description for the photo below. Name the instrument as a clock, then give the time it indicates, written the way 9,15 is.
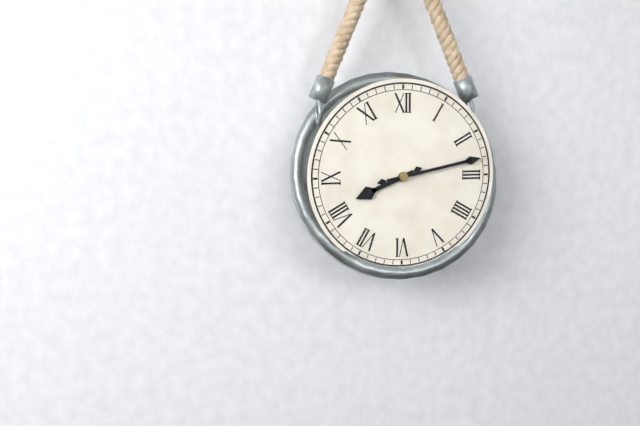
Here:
8,13
